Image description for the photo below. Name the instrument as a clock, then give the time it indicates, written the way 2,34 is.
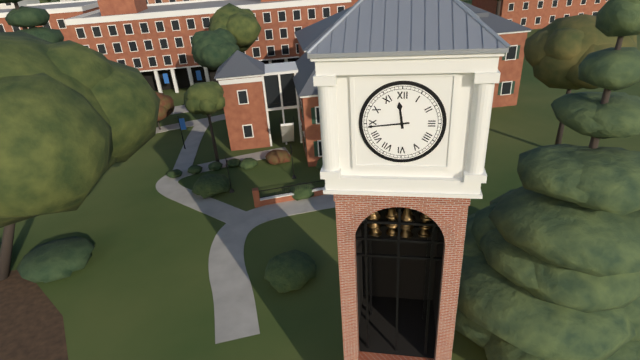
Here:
11,44
